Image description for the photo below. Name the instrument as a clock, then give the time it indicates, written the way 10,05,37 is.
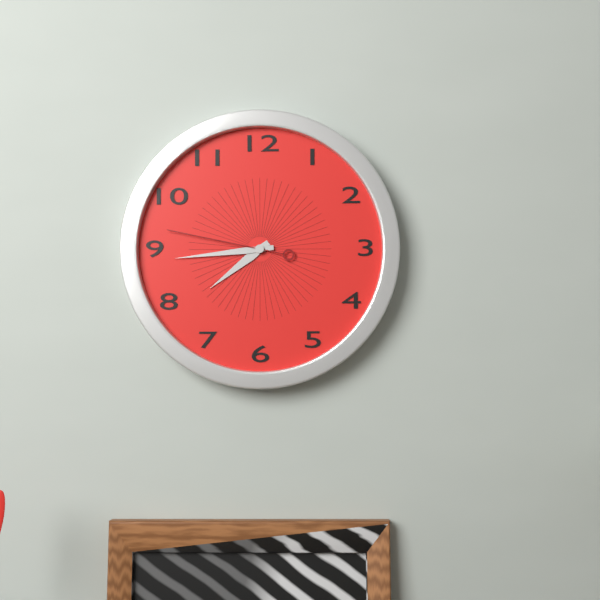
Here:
7,44,47
